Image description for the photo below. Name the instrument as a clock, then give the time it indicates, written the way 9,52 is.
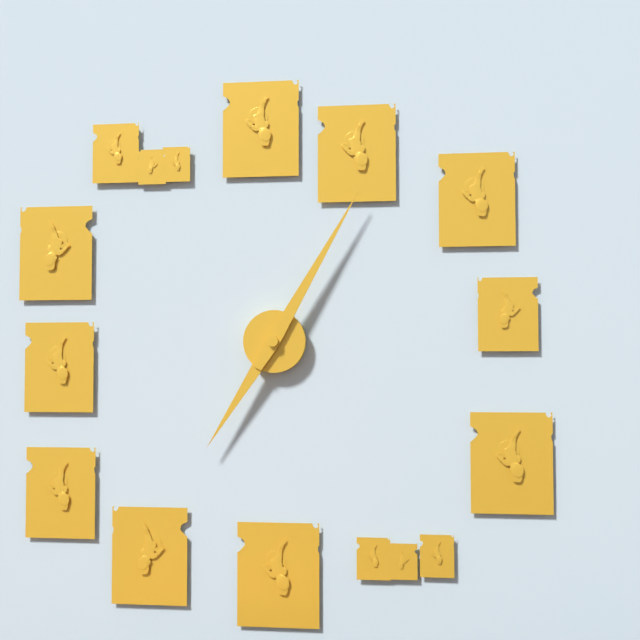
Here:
7,05
